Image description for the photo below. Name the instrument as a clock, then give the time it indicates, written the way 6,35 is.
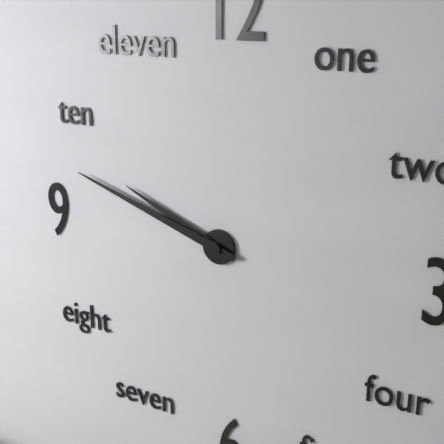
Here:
9,48
